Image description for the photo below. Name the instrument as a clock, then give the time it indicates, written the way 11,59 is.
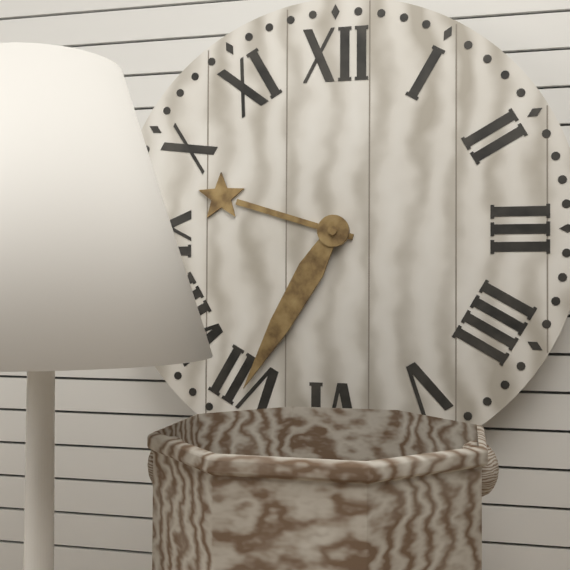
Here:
9,35
